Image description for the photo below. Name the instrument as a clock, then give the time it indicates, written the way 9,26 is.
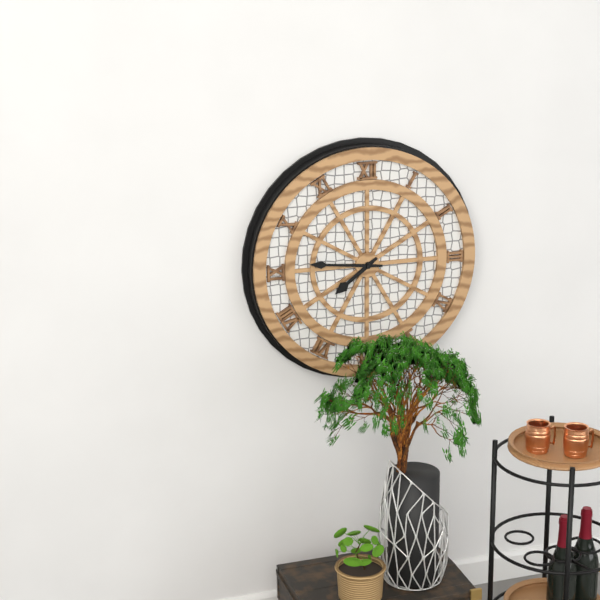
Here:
7,46
